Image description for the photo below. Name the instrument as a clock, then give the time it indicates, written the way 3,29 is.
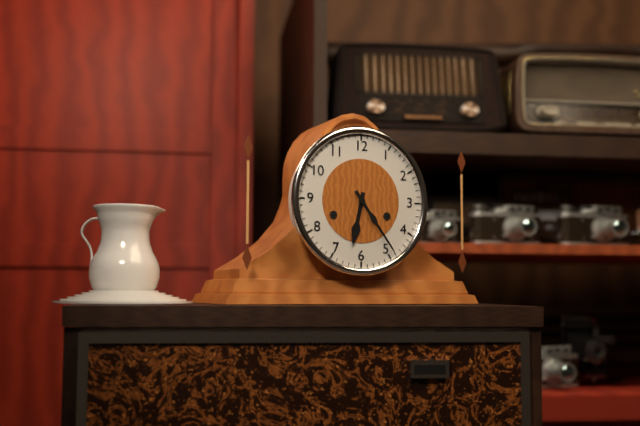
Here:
6,24
